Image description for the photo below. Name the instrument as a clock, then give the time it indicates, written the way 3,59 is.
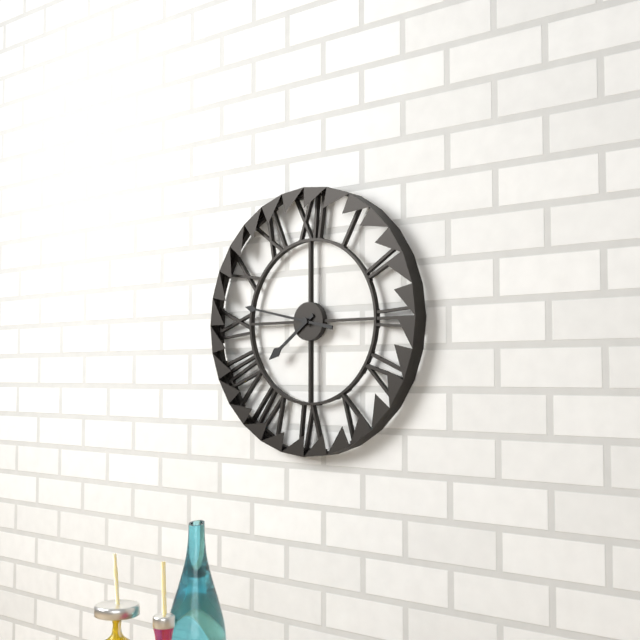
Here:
7,47
